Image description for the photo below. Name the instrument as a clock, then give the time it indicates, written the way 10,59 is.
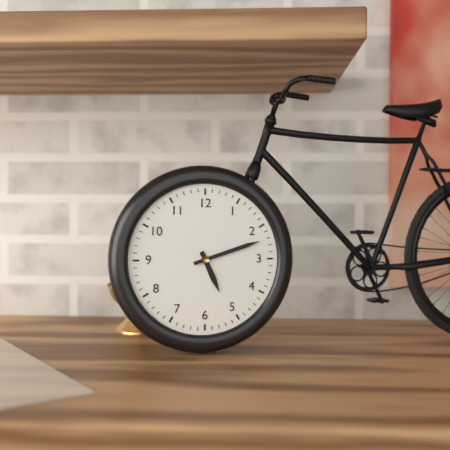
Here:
5,12
